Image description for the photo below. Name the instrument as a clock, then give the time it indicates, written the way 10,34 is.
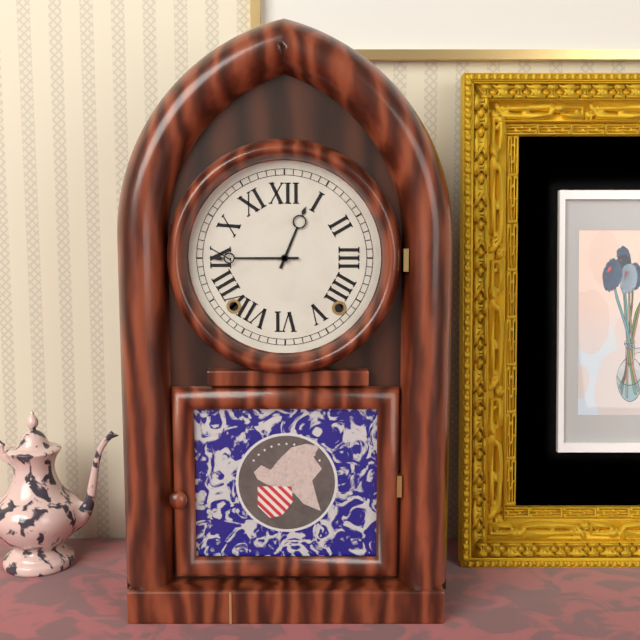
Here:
12,45
